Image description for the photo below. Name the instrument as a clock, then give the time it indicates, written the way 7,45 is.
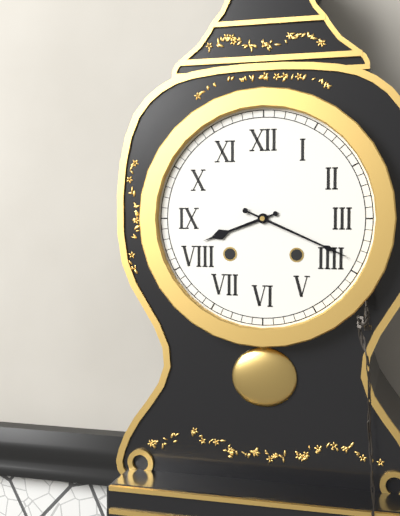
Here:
8,19
